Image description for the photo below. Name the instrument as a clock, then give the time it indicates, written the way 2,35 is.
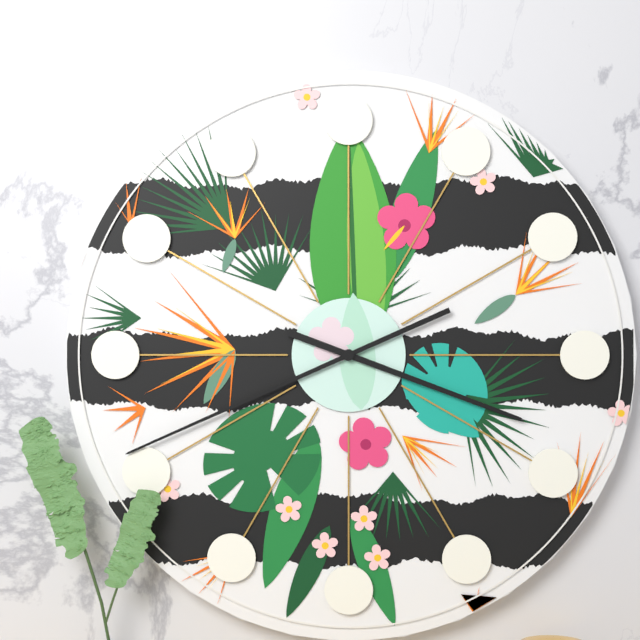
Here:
3,41
